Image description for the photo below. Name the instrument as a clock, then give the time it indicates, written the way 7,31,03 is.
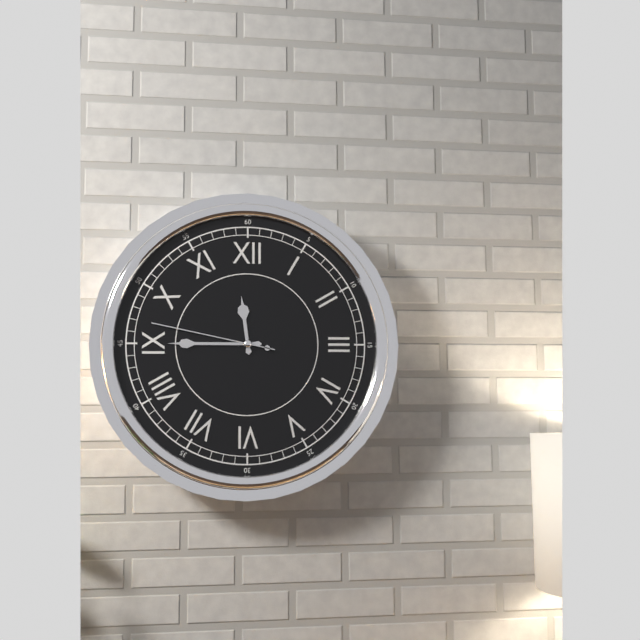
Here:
11,45,47
